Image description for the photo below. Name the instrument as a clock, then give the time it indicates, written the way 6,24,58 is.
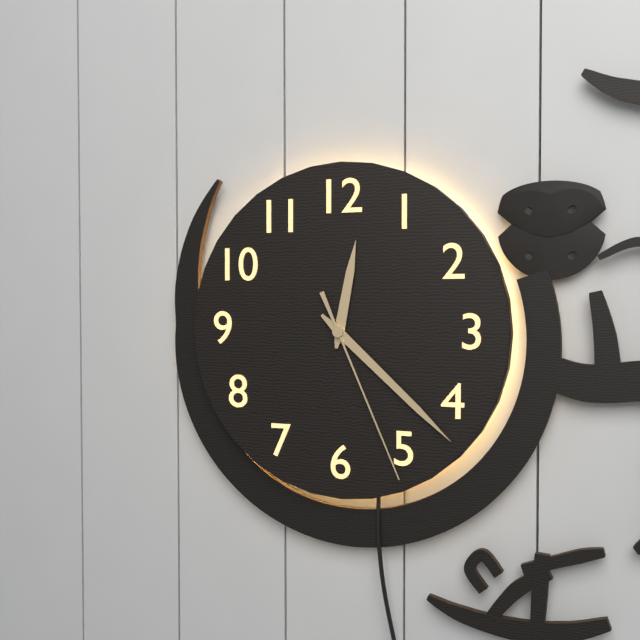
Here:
12,22,26
